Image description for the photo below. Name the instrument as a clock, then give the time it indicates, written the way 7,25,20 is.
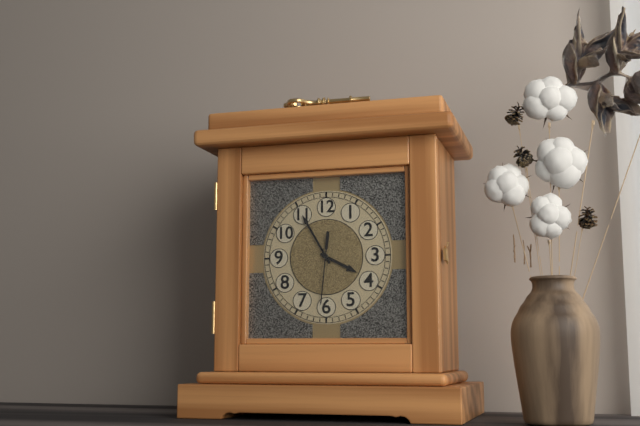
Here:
3,55,31
